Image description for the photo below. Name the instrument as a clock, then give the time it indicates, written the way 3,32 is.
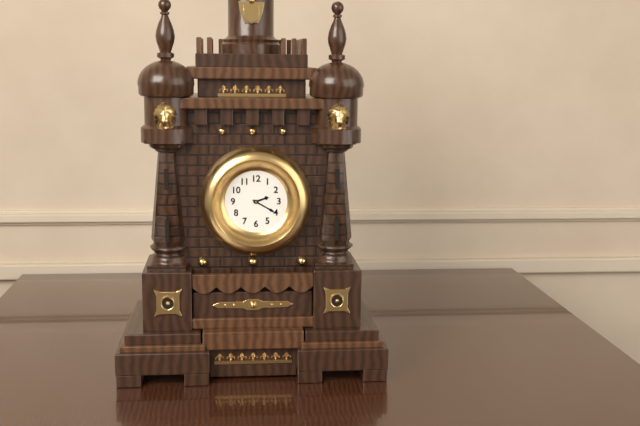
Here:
2,20
